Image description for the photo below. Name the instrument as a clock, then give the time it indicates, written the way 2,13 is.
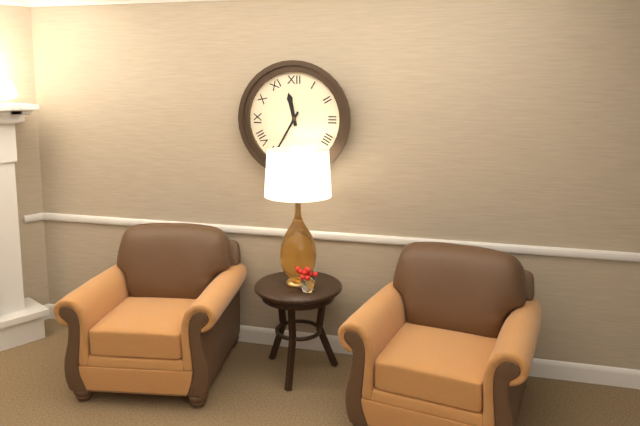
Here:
11,35
